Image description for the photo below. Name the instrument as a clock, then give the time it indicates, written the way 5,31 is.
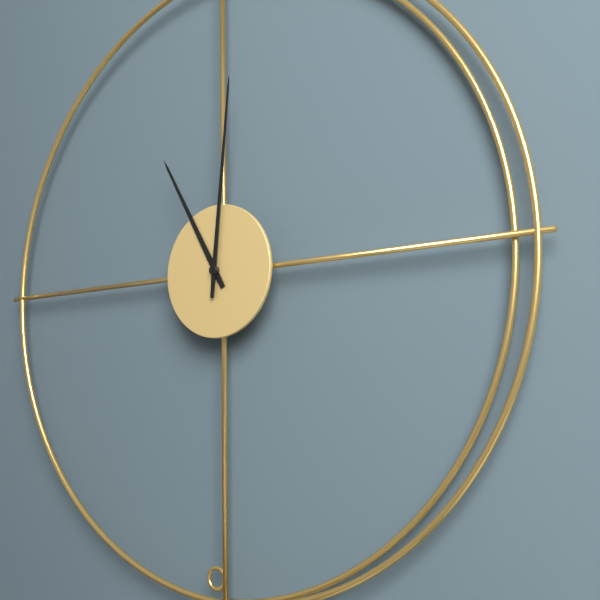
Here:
11,01
